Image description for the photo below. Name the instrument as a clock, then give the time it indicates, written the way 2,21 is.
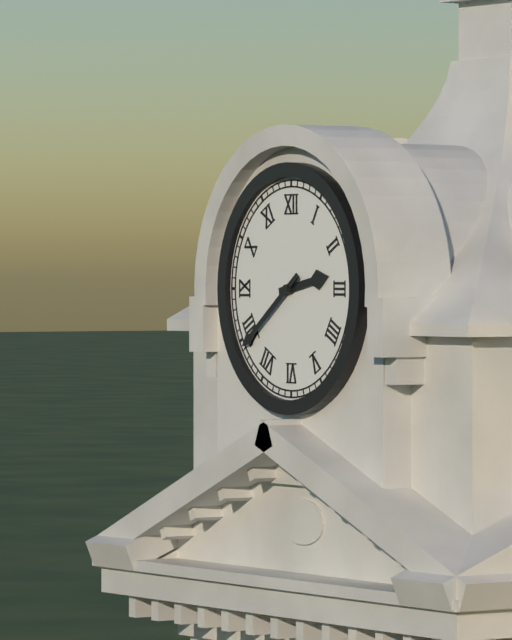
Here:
2,39
